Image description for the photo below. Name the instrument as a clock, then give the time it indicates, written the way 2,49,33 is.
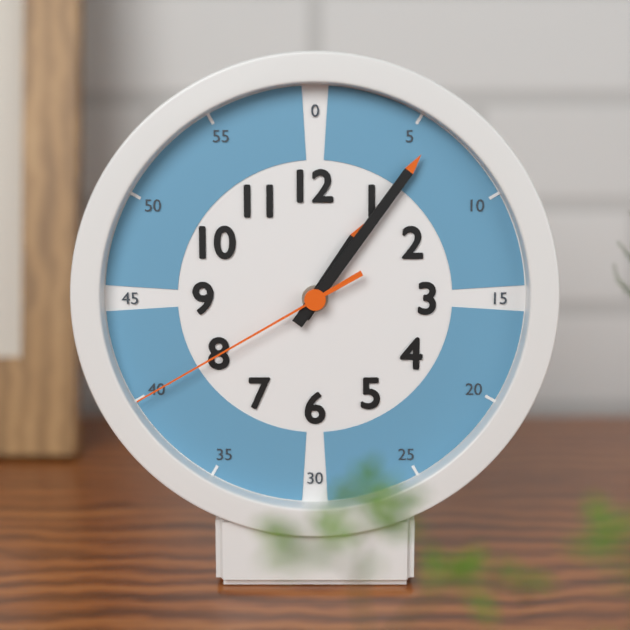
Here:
1,06,40
